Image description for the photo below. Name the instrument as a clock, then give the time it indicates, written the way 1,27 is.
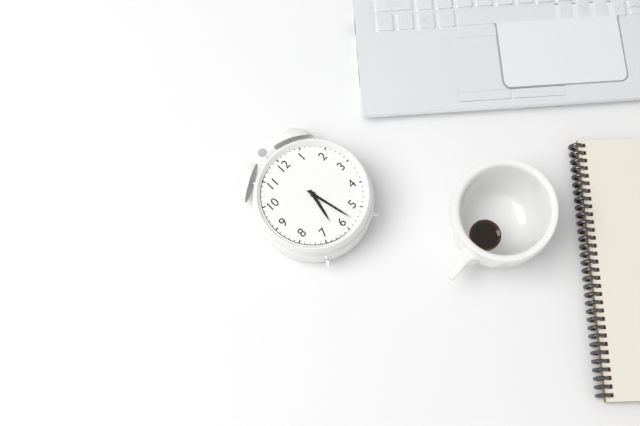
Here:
6,28
